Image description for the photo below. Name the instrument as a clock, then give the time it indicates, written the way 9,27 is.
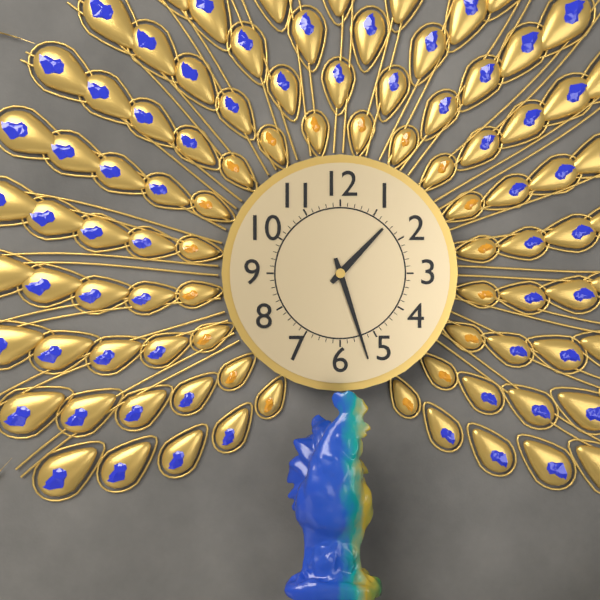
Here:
1,27
